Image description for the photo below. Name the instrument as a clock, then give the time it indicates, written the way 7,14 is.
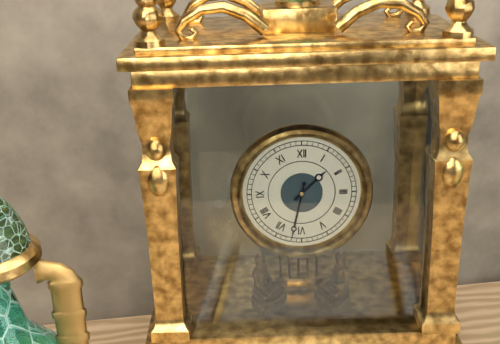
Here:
1,32
